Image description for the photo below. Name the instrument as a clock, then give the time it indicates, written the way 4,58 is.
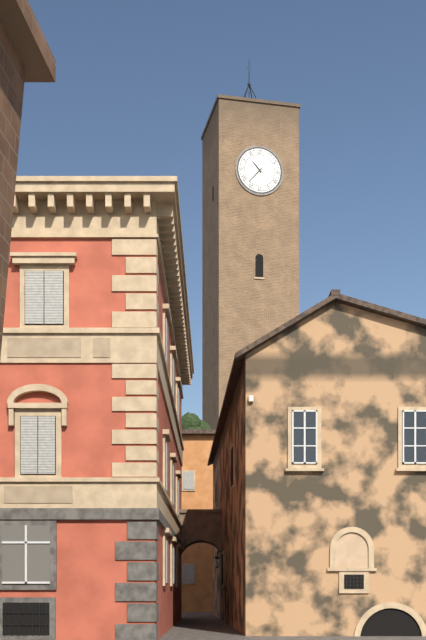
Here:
10,37
